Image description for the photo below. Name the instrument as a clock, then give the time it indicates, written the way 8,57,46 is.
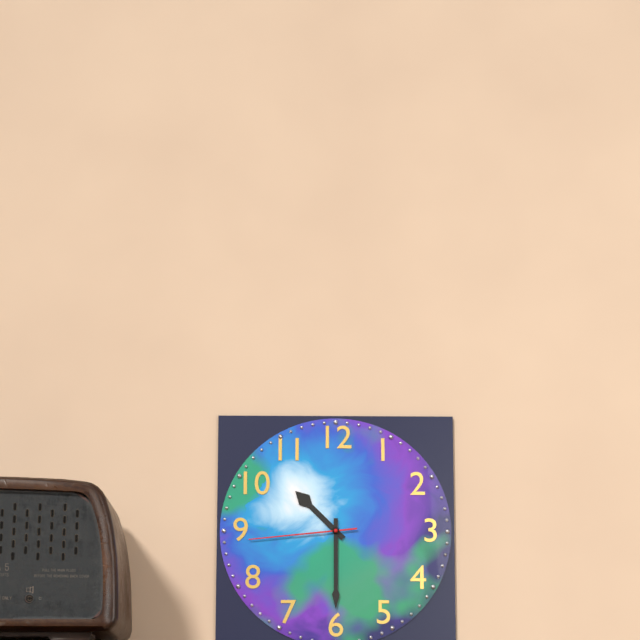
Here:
10,30,44
